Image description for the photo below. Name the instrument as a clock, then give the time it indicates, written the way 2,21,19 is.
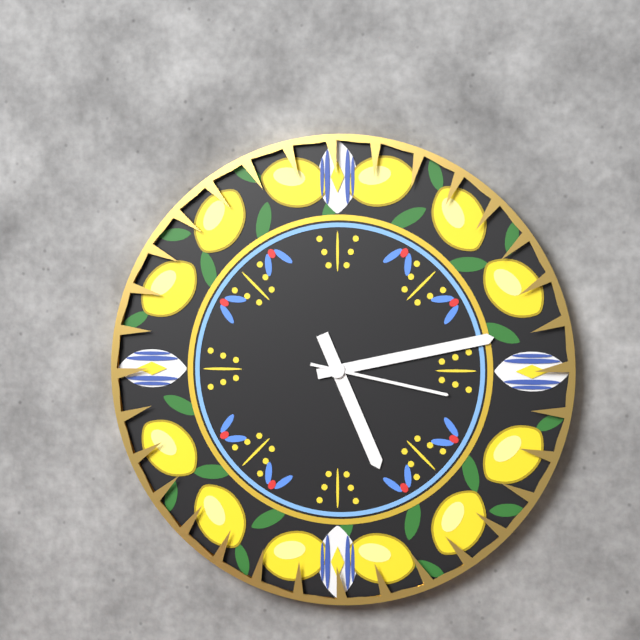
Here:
5,13,17
